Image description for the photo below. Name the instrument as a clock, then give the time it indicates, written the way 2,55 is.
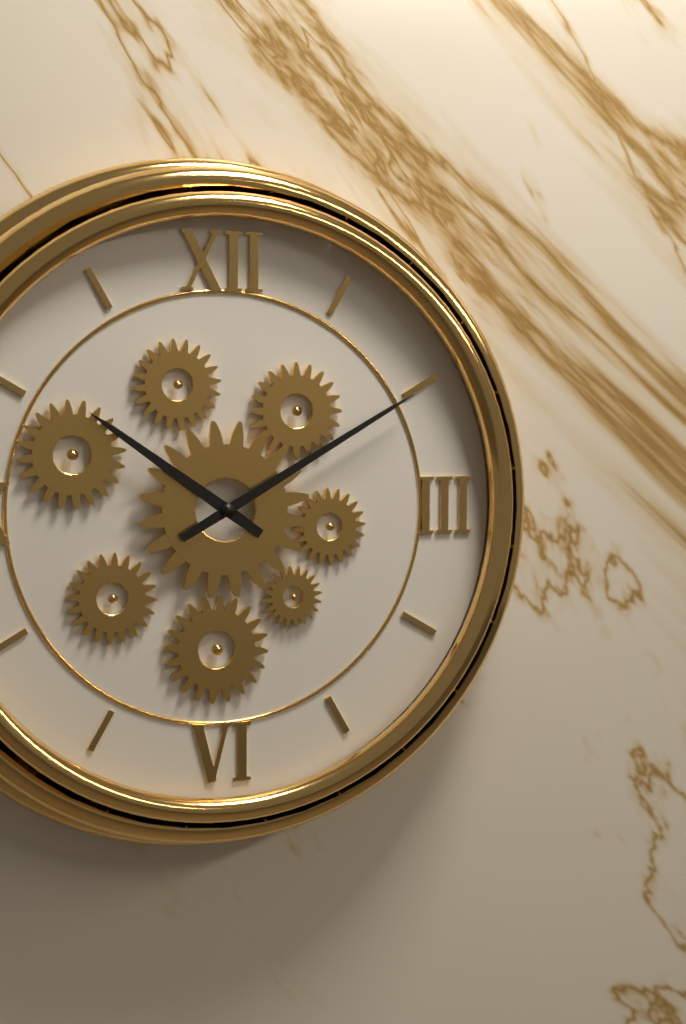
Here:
10,10
